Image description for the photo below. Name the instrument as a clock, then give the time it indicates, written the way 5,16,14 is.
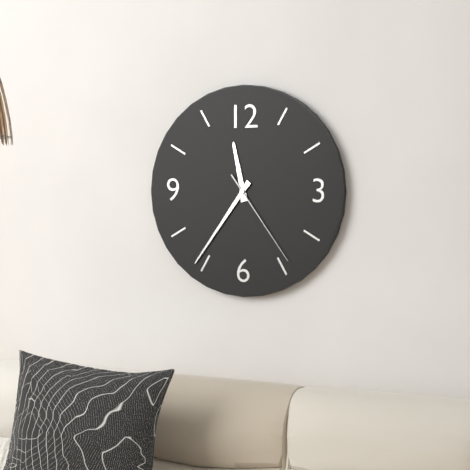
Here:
11,36,24
